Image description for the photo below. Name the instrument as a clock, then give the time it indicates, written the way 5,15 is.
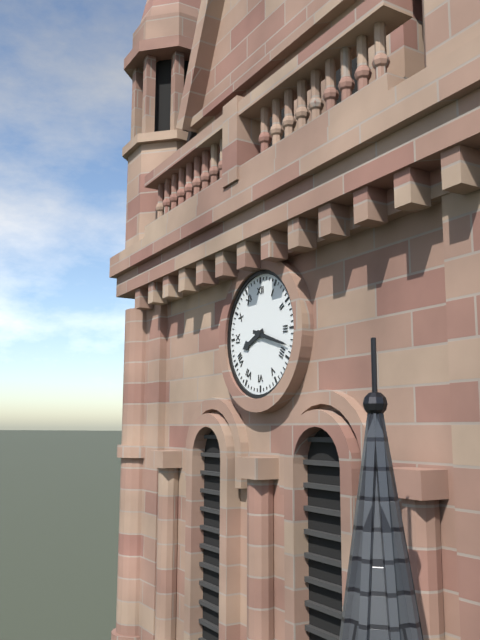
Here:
8,18
